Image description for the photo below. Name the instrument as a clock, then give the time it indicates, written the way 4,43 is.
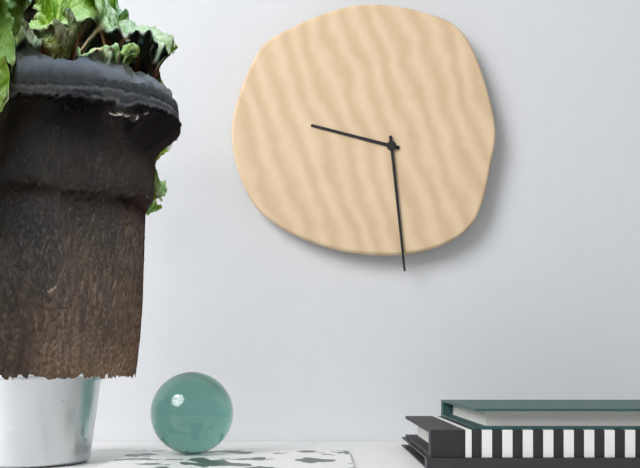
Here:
9,29
